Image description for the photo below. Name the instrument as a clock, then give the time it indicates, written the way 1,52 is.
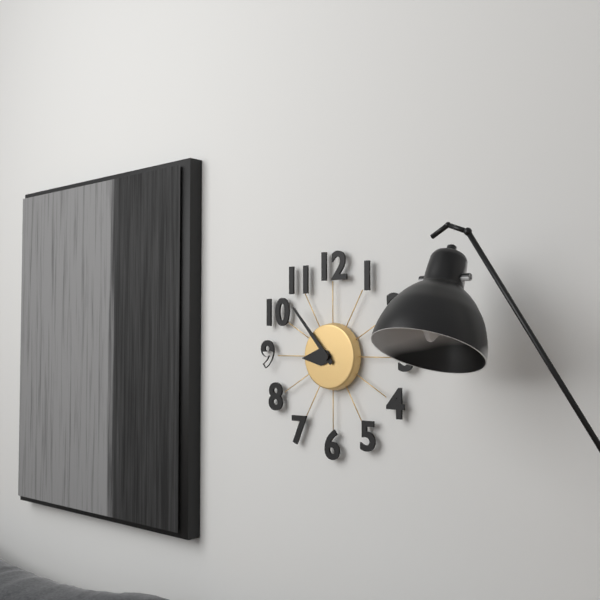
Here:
8,53
